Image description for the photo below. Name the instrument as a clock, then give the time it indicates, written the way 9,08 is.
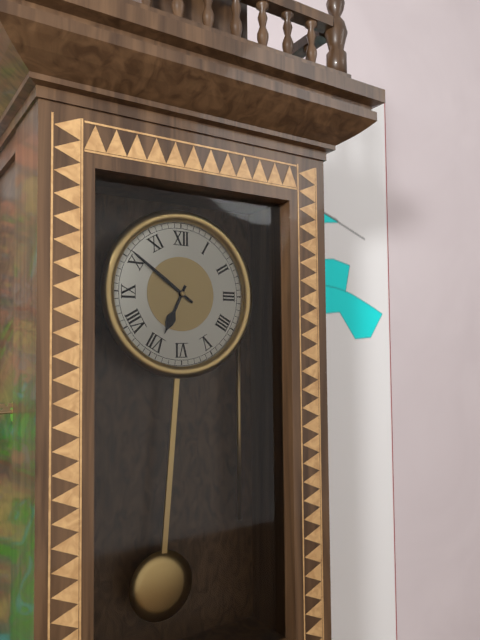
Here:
6,51
